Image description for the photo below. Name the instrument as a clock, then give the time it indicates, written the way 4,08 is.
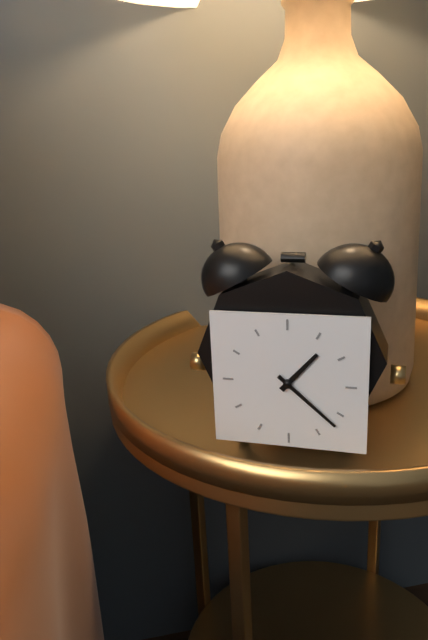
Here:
1,22
